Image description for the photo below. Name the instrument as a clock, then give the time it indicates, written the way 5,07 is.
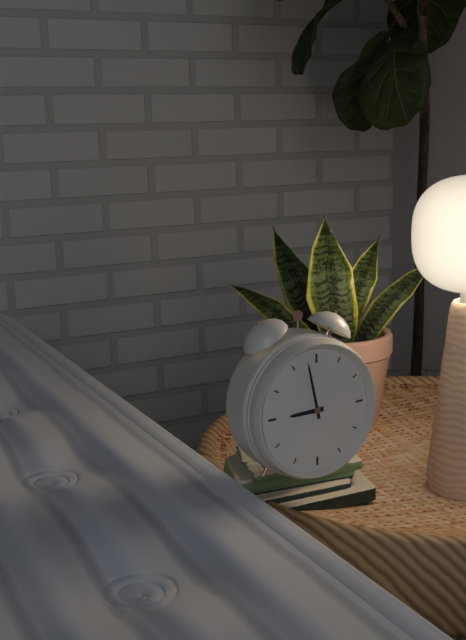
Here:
8,58
